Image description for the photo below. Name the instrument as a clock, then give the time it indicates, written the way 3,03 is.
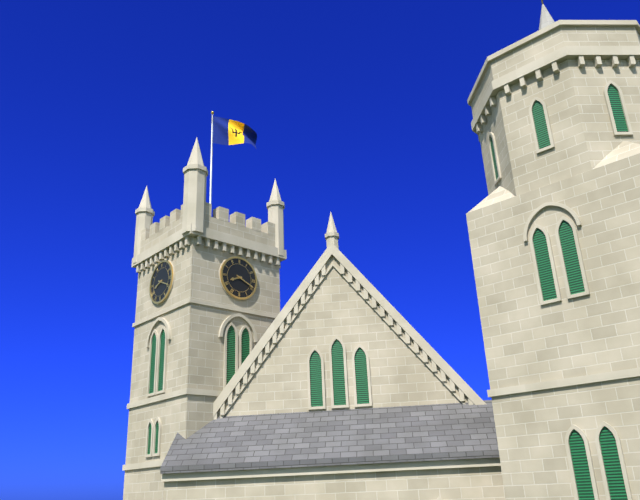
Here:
8,19
